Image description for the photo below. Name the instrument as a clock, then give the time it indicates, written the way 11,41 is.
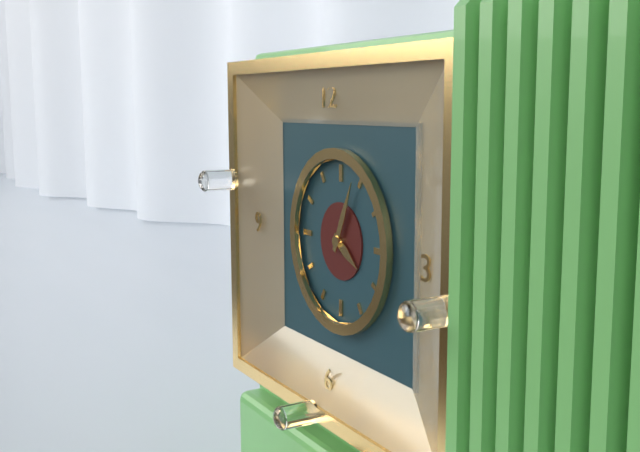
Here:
4,04
